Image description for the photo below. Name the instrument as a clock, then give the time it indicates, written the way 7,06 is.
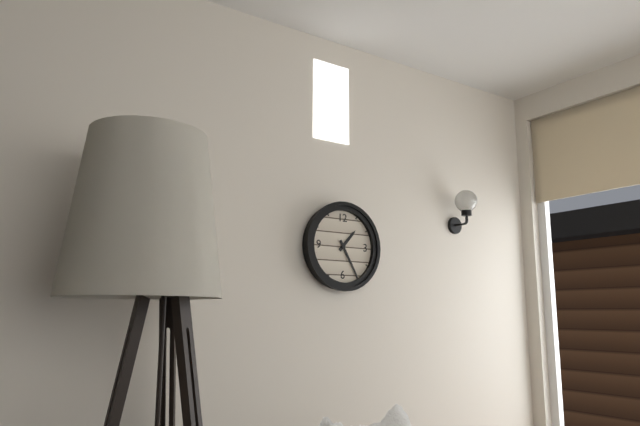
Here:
1,25
